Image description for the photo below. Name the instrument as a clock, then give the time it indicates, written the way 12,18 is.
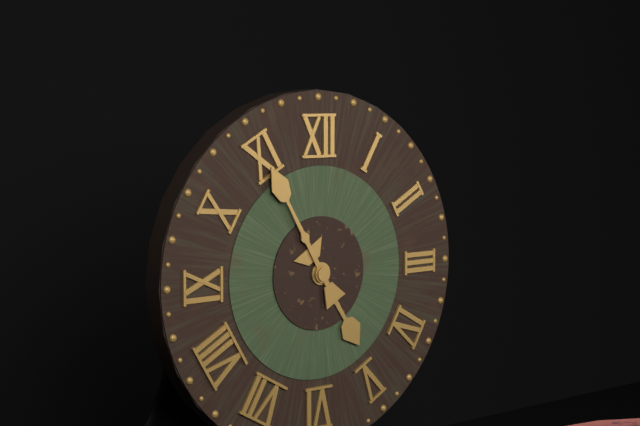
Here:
4,55
